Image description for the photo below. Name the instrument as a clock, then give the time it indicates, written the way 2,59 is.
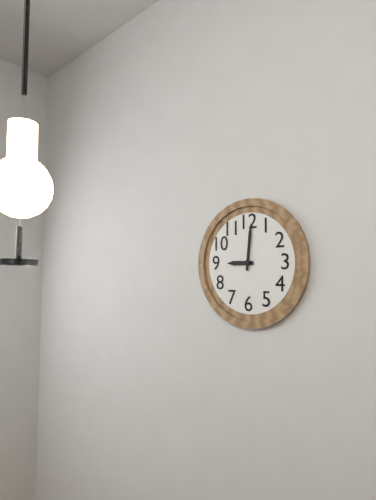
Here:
9,01
